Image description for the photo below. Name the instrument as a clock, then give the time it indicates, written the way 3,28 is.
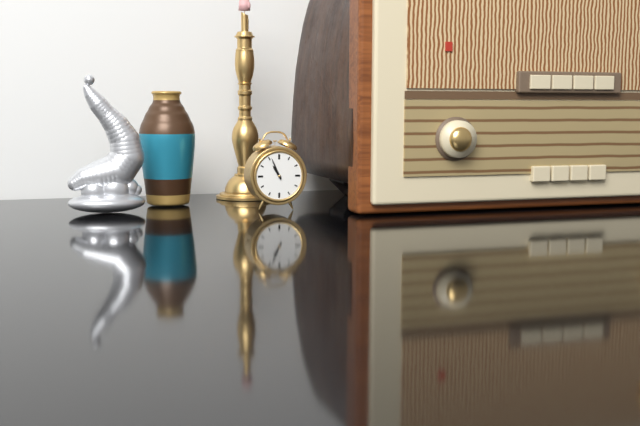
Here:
10,56
